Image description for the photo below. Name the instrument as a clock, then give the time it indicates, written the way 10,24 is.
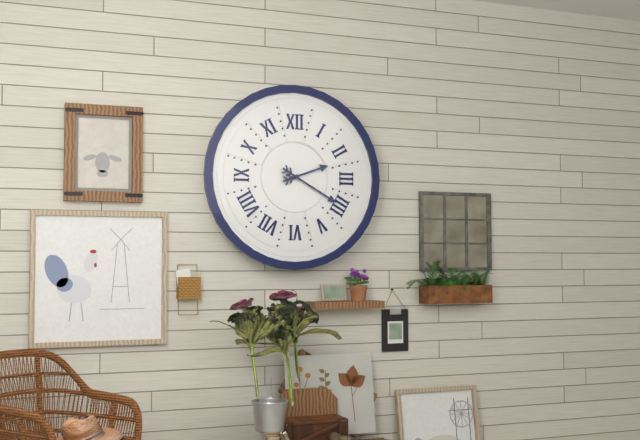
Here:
2,20
